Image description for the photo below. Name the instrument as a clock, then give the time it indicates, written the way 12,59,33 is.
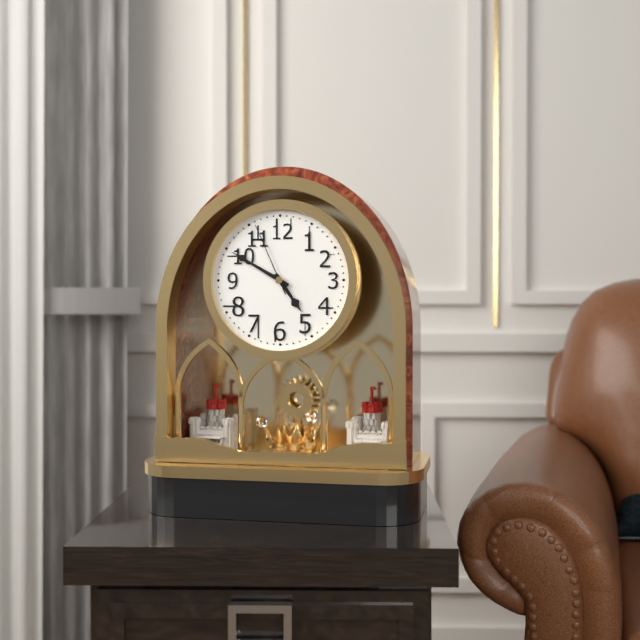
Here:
4,50,56
